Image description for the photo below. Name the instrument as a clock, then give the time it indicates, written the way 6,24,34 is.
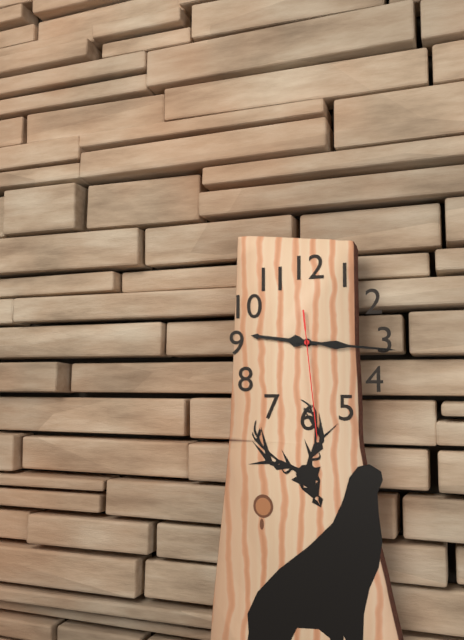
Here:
9,16,29
